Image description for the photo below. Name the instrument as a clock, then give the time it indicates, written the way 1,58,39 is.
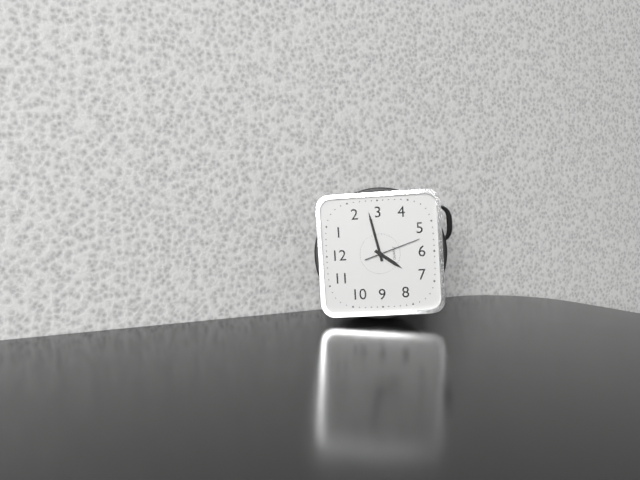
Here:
7,13,27
